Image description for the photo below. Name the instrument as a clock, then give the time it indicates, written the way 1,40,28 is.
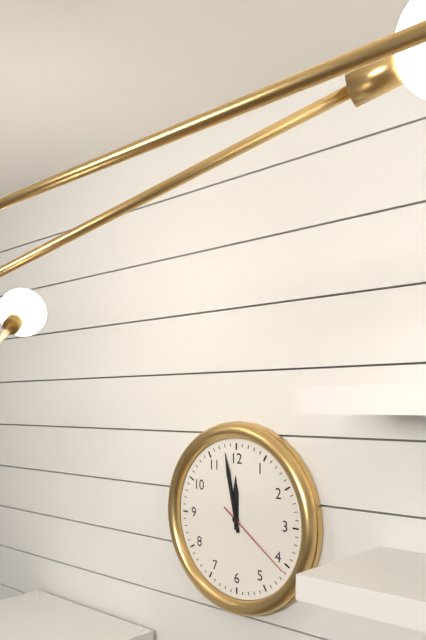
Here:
11,58,21
